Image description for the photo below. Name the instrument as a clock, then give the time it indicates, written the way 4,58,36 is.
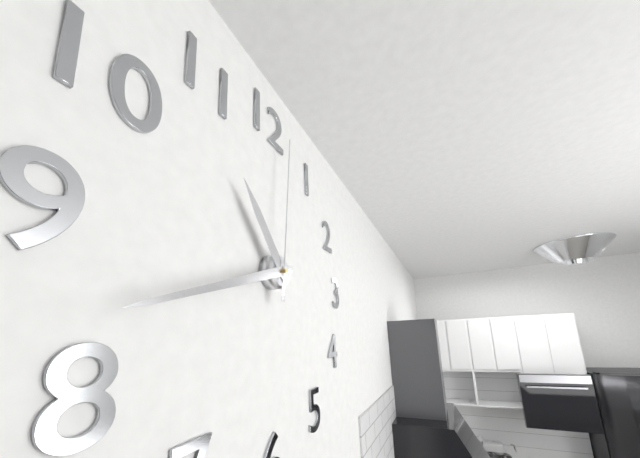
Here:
10,42,01
